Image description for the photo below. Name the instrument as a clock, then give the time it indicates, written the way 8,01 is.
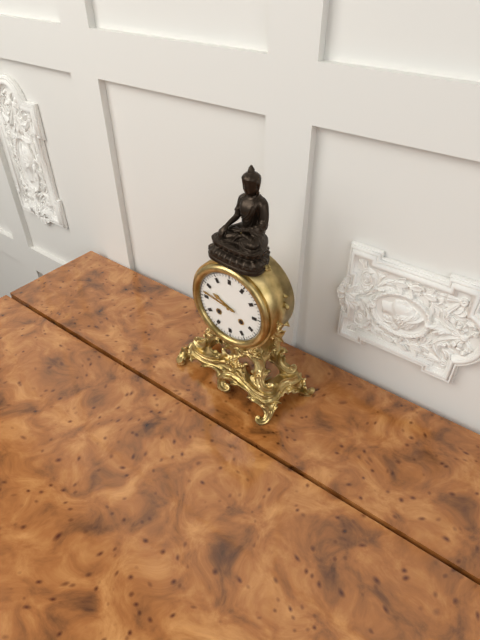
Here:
9,47
